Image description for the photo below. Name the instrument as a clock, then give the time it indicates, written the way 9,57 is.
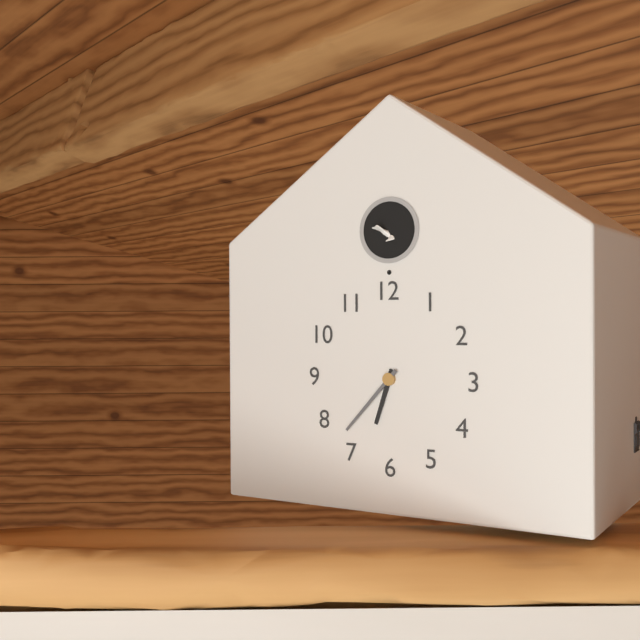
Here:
6,37
